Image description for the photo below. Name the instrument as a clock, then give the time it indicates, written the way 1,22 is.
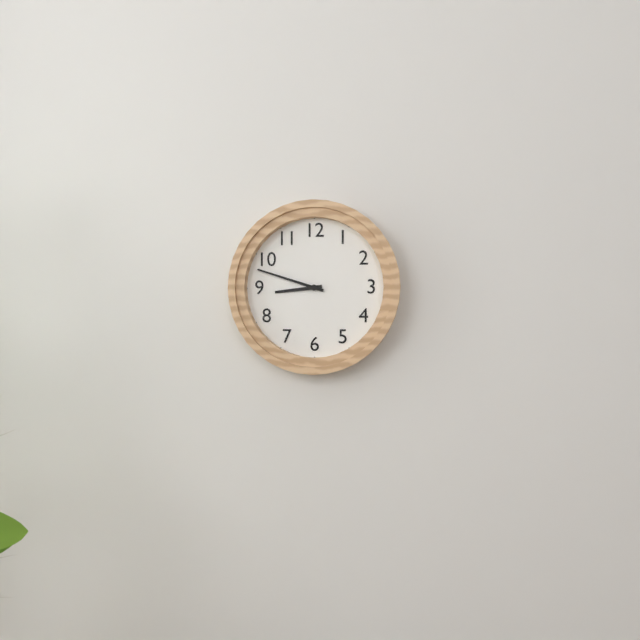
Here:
8,48
